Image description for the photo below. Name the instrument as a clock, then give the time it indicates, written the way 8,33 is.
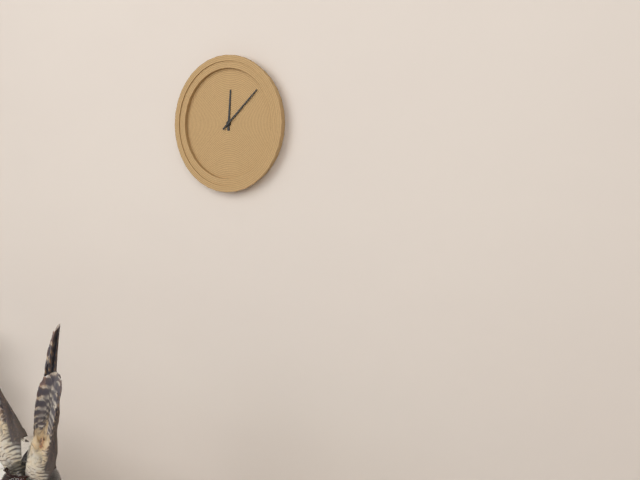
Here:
12,08
